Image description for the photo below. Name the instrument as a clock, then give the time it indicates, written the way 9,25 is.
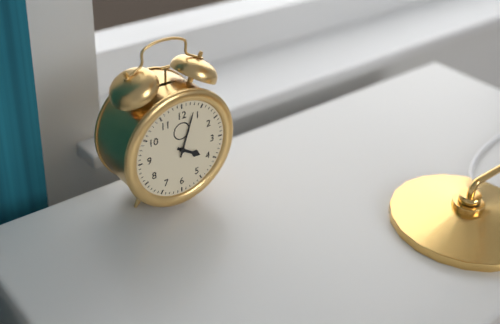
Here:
4,03
